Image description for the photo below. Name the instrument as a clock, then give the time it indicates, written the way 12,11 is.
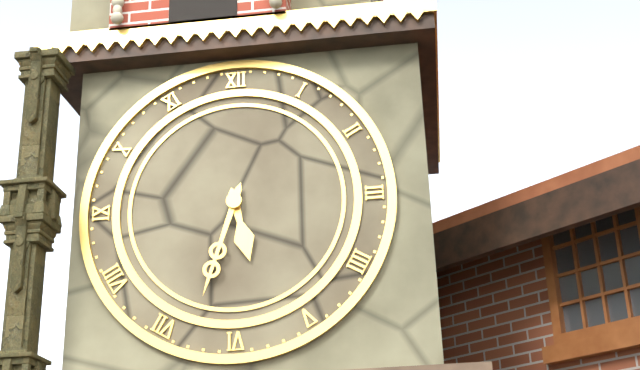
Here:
5,33
